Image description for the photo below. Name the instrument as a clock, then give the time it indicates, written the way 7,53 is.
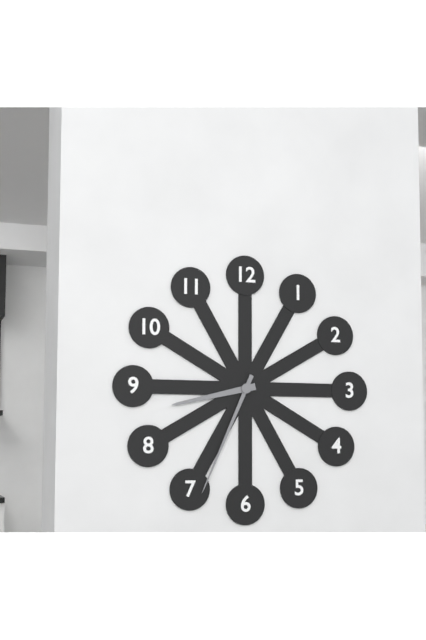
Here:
8,34
